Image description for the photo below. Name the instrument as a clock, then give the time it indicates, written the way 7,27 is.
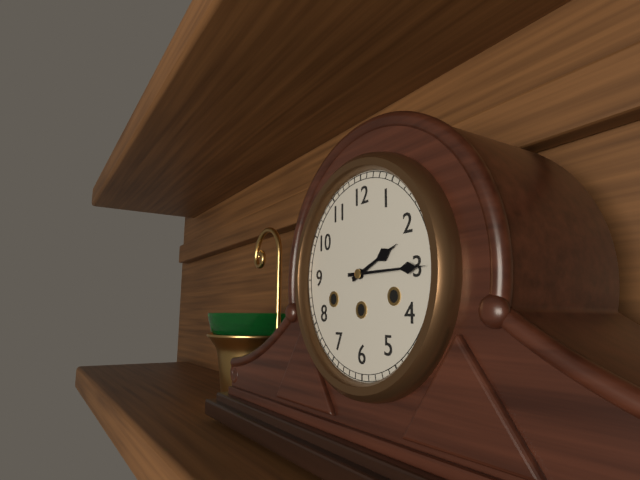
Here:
2,15
